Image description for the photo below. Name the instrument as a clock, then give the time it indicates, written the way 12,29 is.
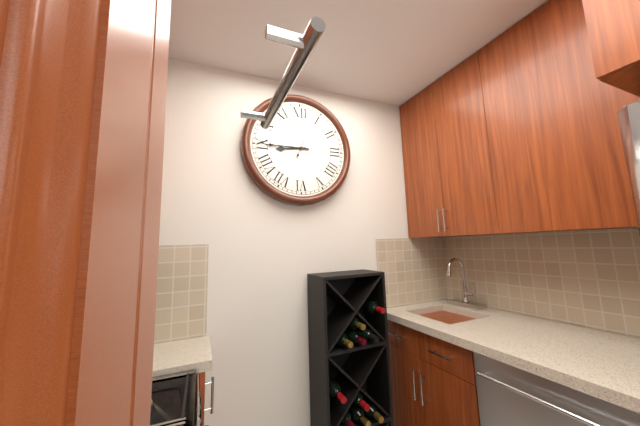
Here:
8,45
